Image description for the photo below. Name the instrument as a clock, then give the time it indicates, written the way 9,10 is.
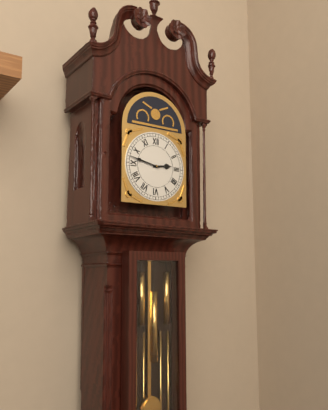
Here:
2,47
